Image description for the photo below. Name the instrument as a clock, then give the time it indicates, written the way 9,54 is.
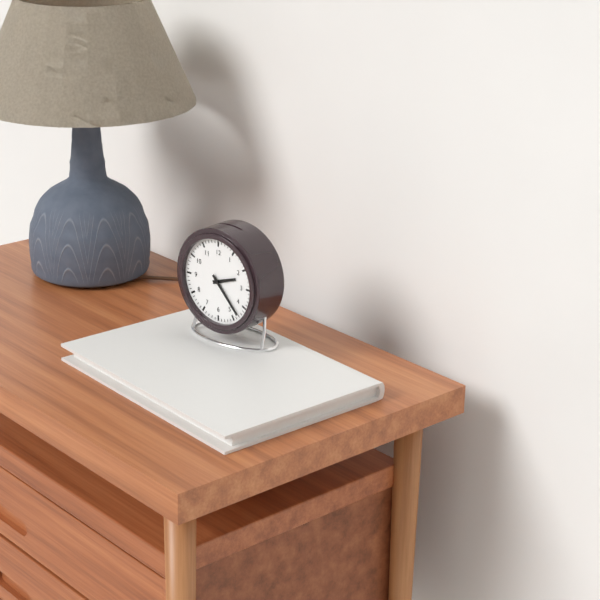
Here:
2,23
